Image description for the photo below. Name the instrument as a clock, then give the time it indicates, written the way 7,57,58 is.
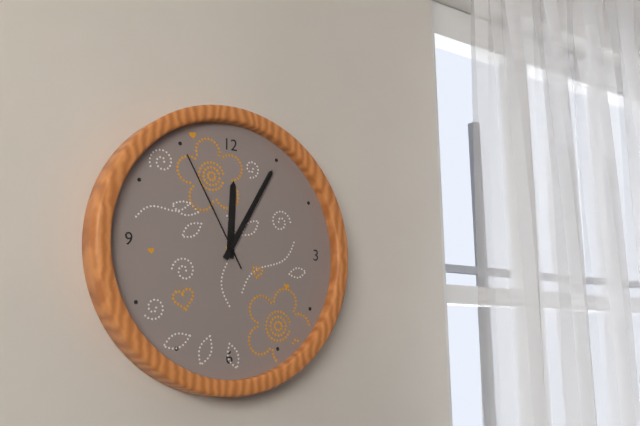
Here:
12,05,55
